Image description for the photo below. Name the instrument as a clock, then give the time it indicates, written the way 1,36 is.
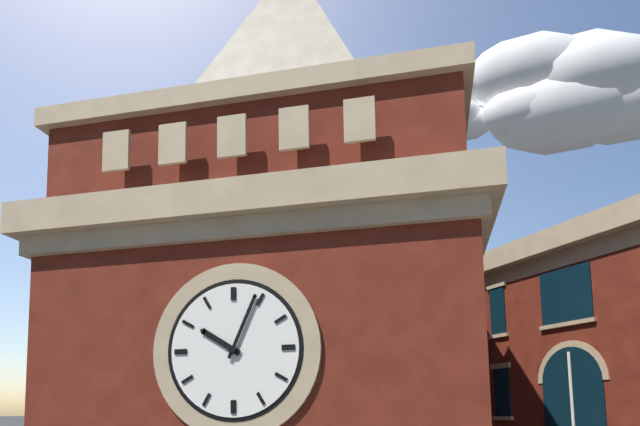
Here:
10,04
